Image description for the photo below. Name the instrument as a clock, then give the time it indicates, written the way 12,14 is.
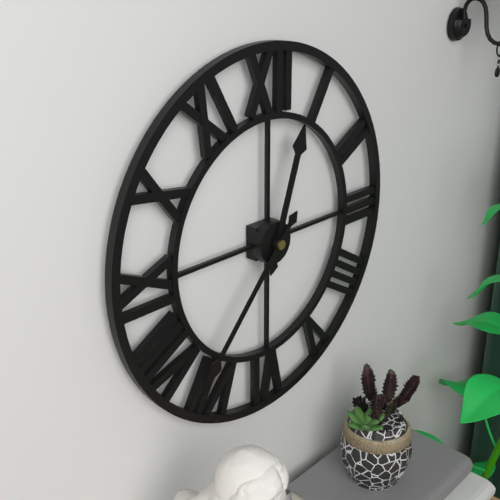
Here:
12,37
